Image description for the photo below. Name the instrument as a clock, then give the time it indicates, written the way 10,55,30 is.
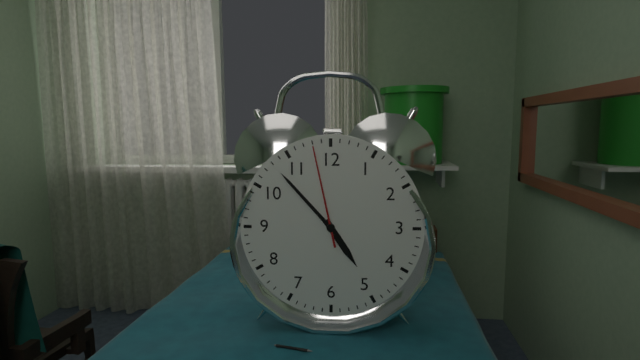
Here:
4,53,58
